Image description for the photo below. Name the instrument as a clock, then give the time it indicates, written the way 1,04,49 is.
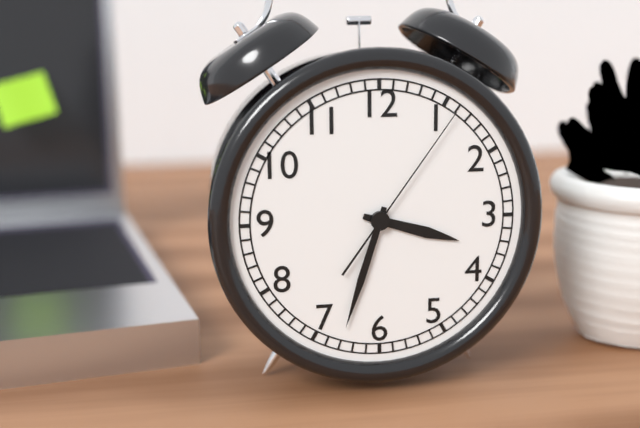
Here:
3,33,06
